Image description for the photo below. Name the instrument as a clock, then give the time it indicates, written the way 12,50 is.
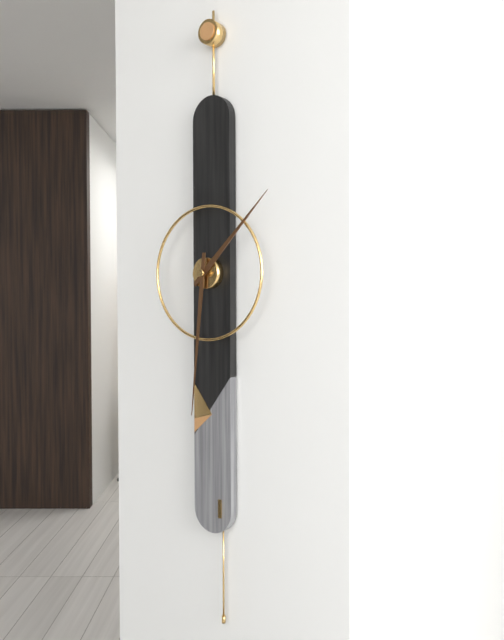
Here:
1,31
